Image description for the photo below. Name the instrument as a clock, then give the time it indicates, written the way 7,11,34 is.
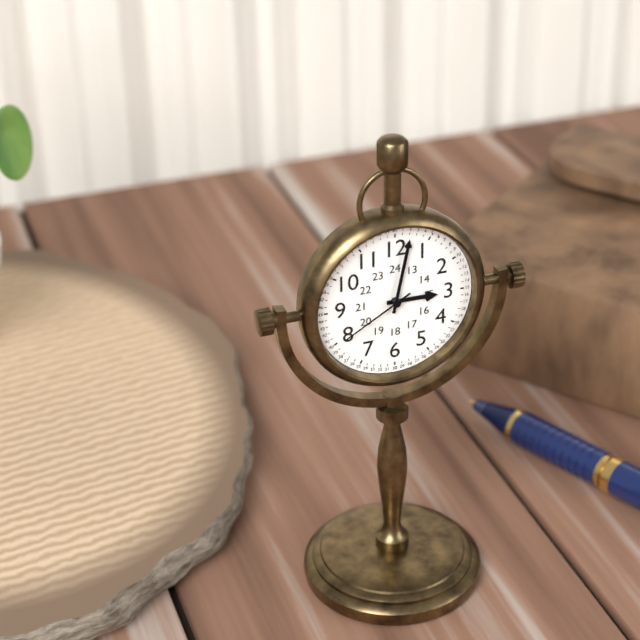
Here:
3,02,40
